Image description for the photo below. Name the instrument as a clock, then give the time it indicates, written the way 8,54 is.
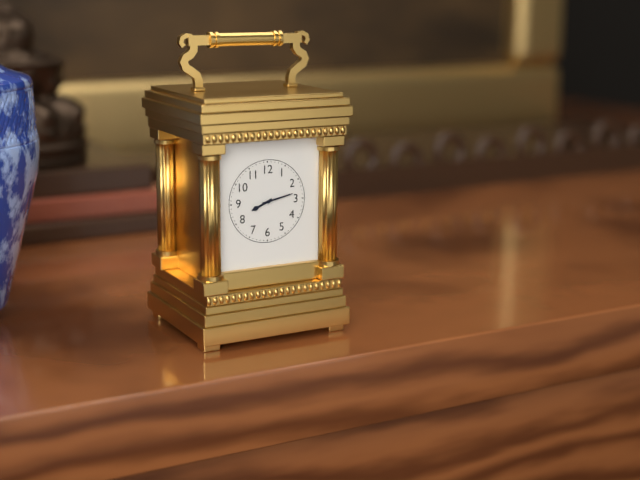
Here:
8,13
